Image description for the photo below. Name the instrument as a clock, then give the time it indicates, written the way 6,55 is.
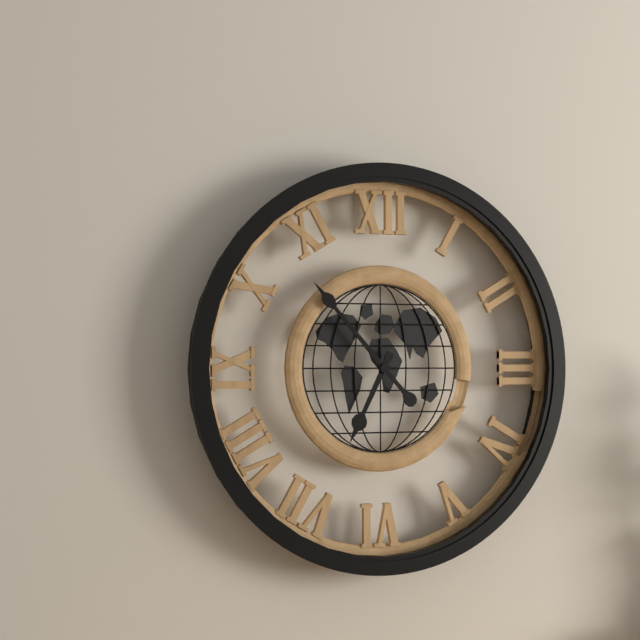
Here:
6,53
